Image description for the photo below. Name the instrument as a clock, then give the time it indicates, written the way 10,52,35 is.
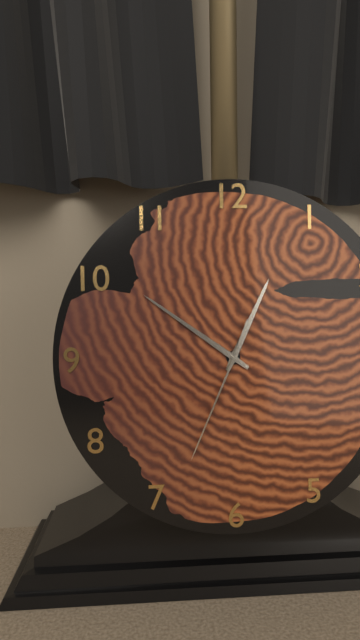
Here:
12,51,34
